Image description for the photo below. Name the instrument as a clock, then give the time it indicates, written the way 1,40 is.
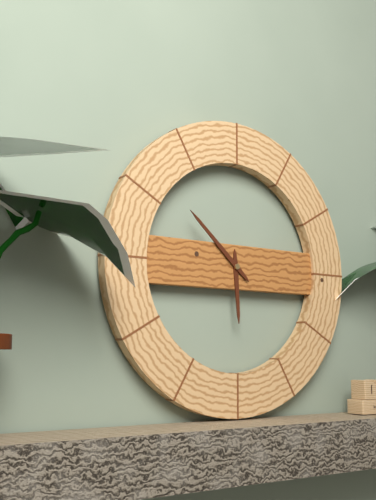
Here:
5,52
